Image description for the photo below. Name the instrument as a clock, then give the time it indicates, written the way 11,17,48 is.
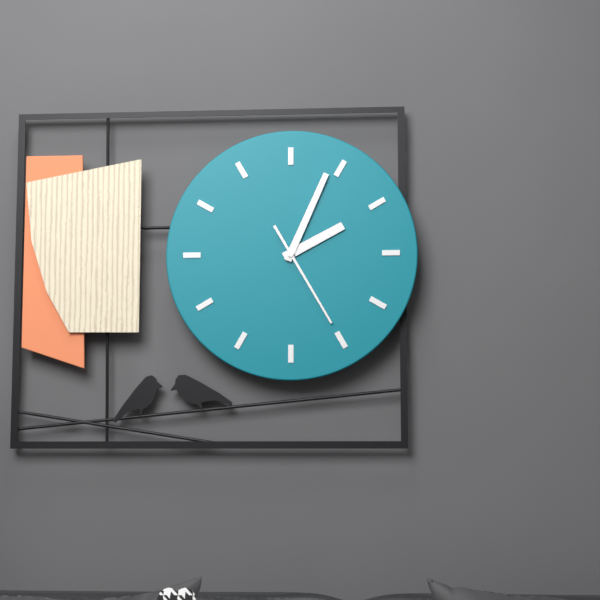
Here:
2,04,25
